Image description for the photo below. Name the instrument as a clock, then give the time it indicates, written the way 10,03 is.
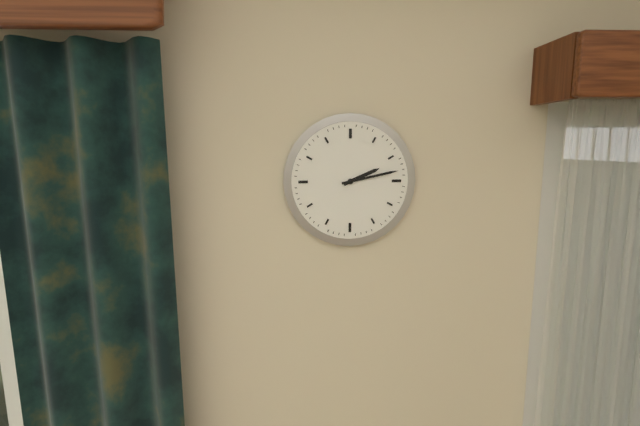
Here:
2,13
